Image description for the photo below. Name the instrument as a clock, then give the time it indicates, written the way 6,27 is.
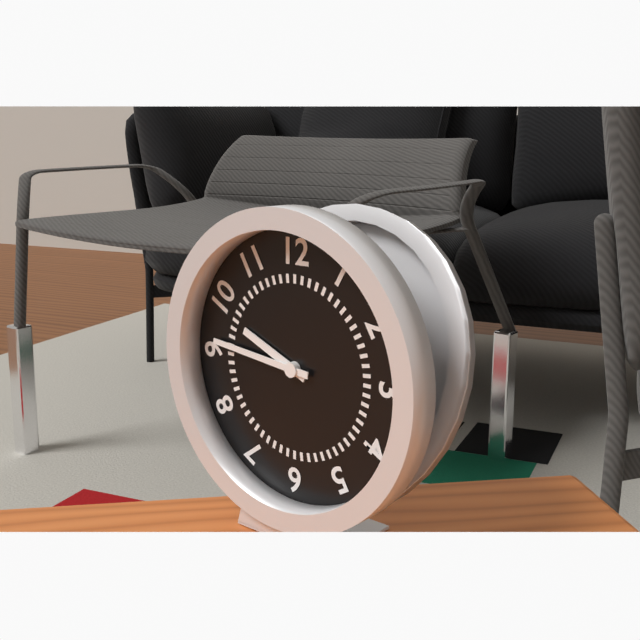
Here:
9,46
